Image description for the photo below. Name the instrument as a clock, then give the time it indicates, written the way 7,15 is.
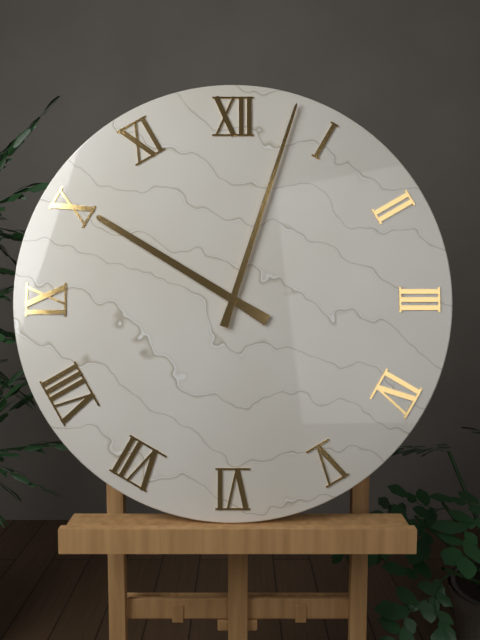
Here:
10,03
